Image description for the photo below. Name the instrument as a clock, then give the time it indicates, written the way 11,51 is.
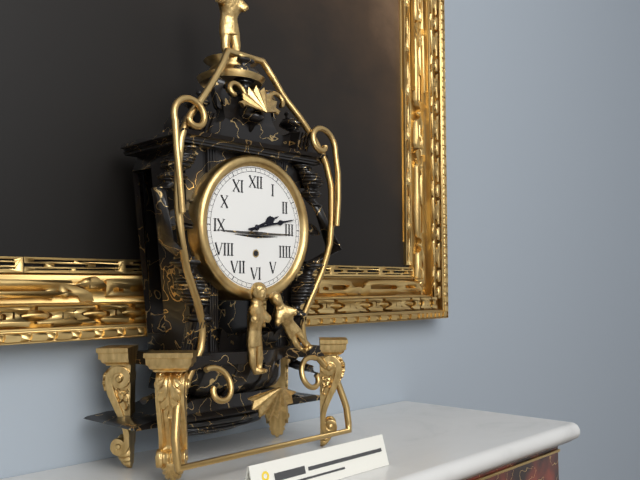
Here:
2,13
